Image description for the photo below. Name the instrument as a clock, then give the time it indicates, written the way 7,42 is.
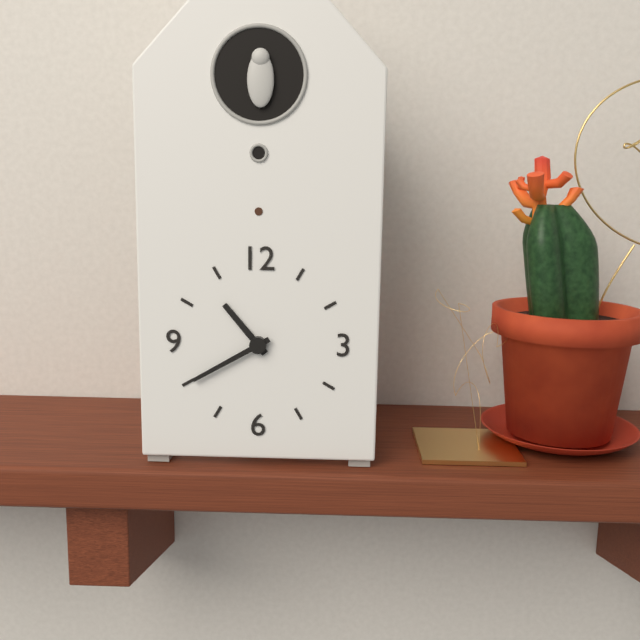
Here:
10,40
